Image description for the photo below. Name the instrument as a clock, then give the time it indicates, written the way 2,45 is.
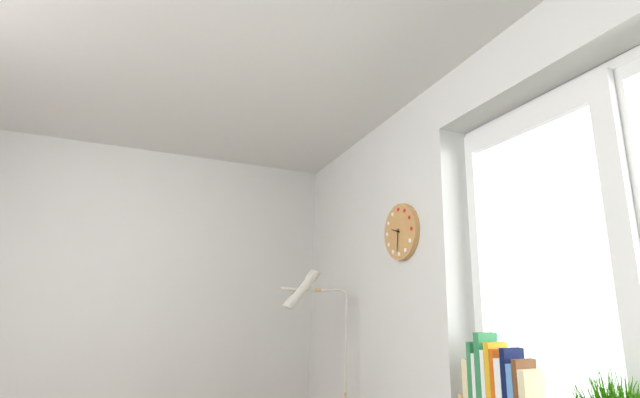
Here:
9,31
